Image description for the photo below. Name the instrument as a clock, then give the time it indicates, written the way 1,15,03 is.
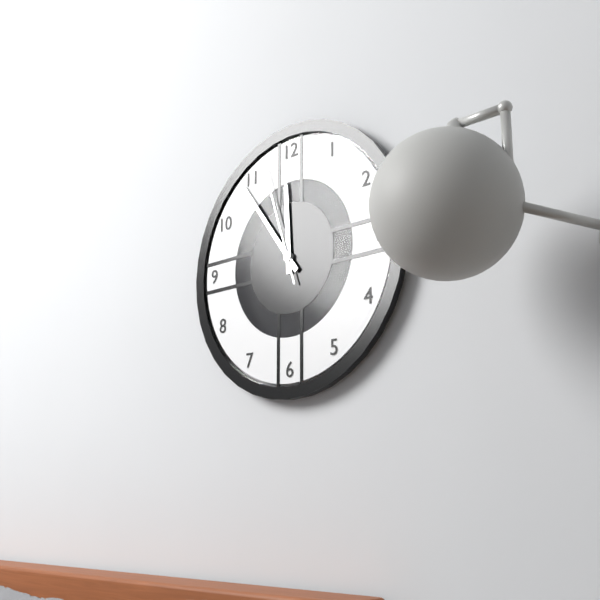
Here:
11,54,57
